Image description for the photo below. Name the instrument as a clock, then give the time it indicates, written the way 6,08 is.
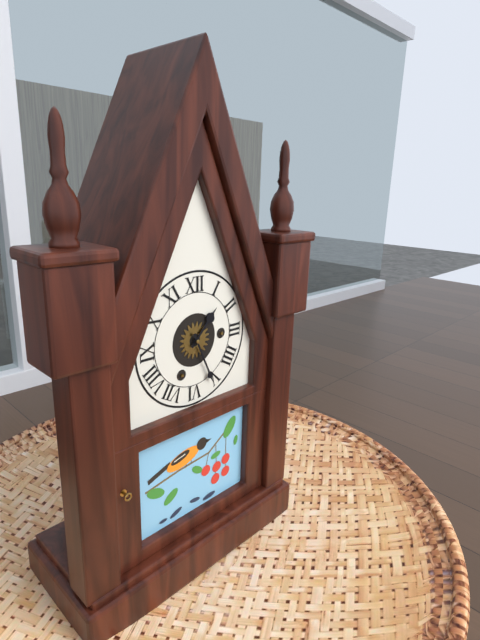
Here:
1,26
